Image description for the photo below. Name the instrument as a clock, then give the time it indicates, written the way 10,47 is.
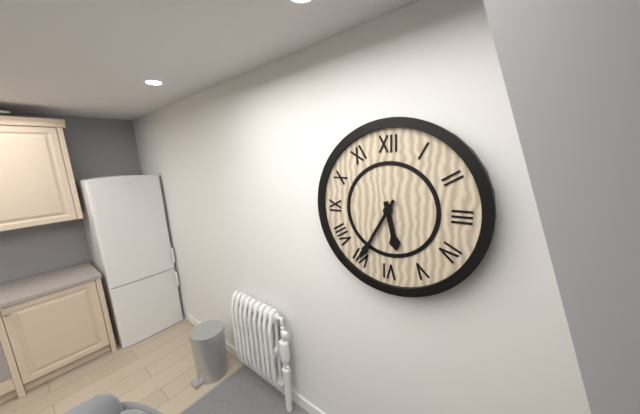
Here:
5,35
